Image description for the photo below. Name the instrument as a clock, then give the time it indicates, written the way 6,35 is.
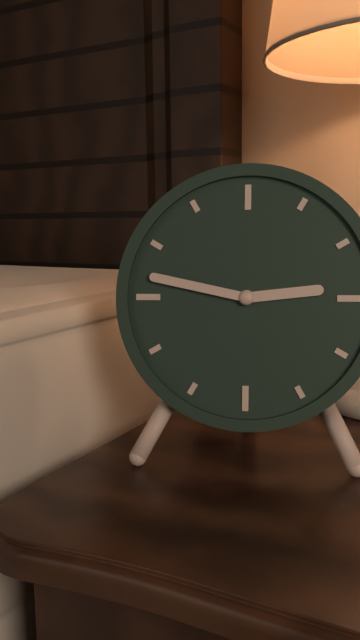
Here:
2,47
